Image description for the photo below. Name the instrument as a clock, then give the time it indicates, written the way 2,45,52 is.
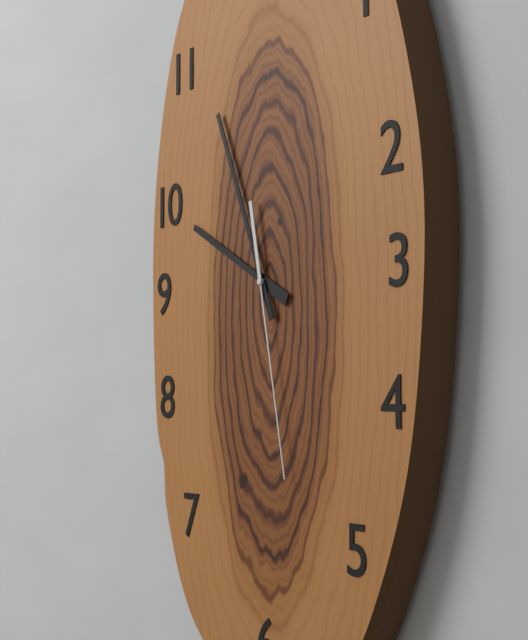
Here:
9,56,28
